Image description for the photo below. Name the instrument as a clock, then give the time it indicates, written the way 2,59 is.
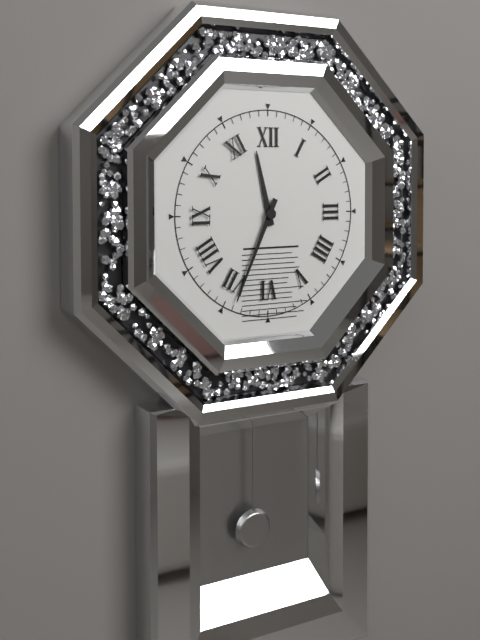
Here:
11,34
